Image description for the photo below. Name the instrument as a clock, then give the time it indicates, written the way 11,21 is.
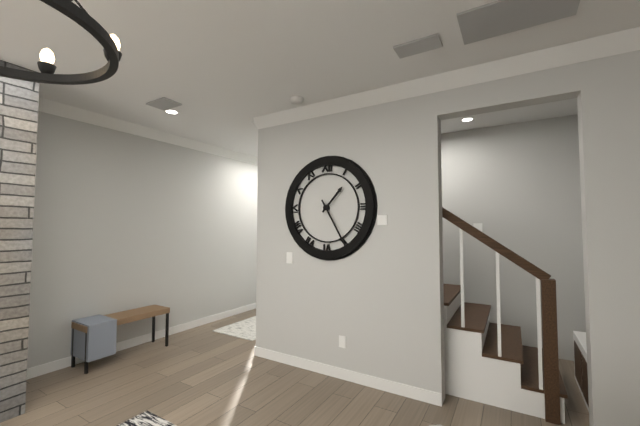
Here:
1,25
